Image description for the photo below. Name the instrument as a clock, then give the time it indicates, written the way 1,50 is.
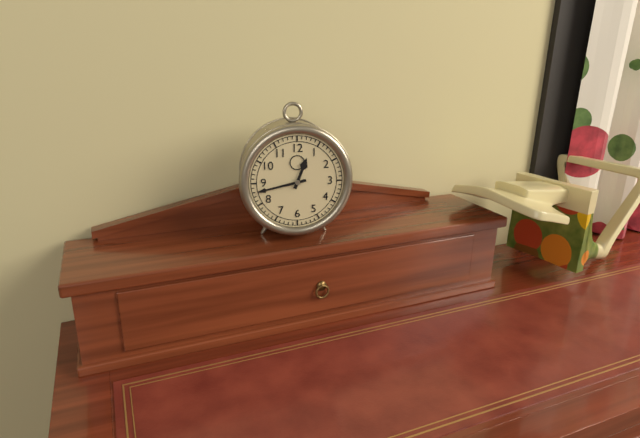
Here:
12,43
